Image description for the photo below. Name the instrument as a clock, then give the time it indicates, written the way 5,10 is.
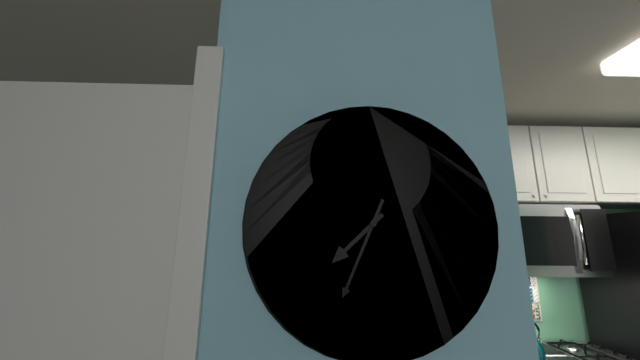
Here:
7,34
